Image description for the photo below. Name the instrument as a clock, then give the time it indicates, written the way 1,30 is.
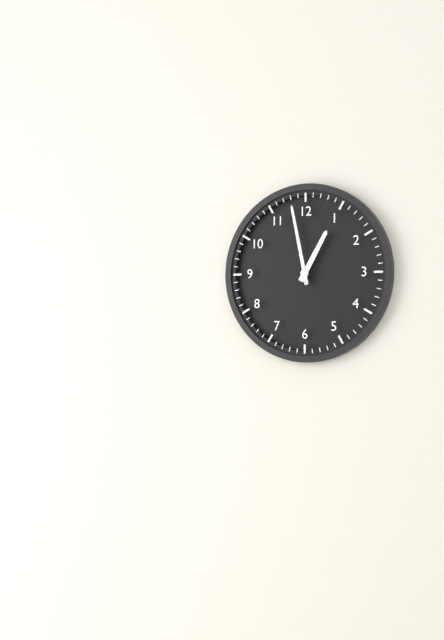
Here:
12,58
